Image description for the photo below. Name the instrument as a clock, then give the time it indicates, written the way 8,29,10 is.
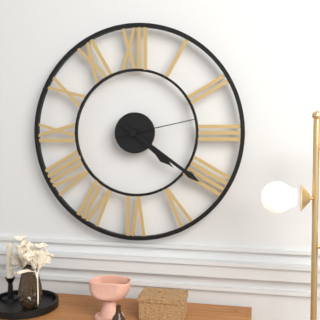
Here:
4,21,13
